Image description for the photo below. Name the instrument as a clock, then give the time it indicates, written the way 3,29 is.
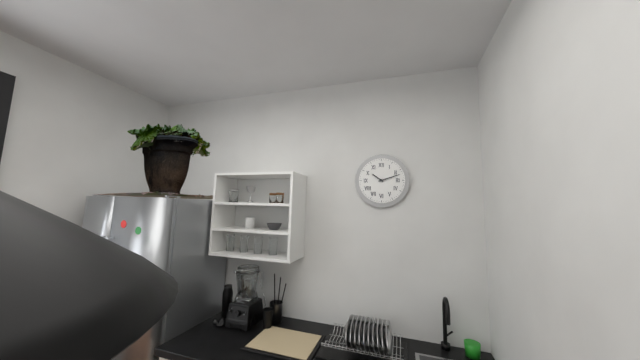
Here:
10,12
